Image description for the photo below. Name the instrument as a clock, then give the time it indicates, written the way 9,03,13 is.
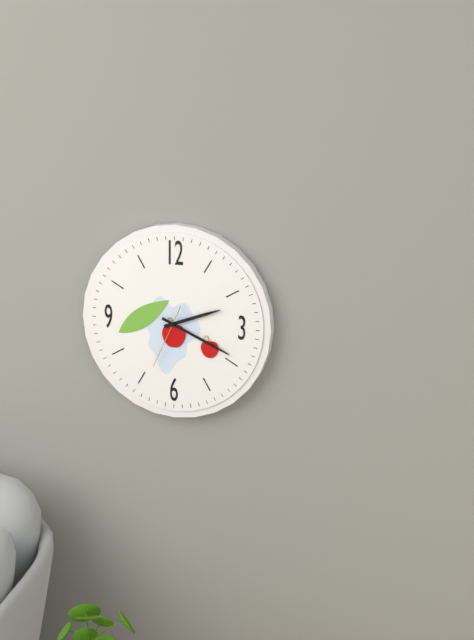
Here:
2,19,34
